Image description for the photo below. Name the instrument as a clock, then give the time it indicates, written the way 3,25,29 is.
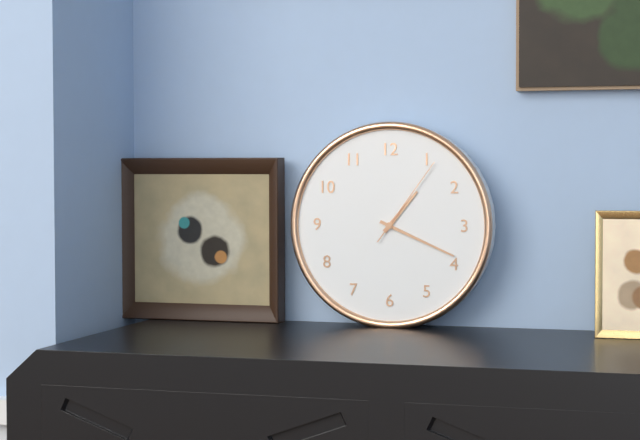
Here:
1,19,06
